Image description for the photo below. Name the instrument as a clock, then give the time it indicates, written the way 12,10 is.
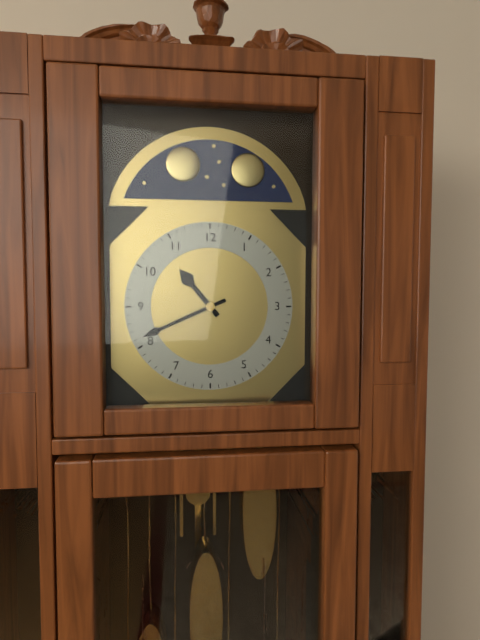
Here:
10,41
